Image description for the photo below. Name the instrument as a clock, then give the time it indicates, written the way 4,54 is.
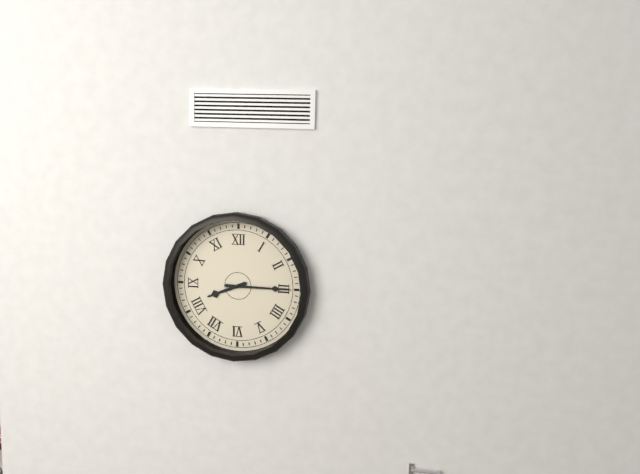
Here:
8,15
